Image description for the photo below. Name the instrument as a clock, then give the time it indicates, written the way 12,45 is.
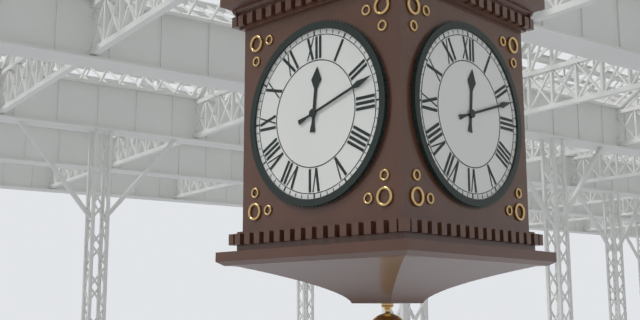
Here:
12,12
